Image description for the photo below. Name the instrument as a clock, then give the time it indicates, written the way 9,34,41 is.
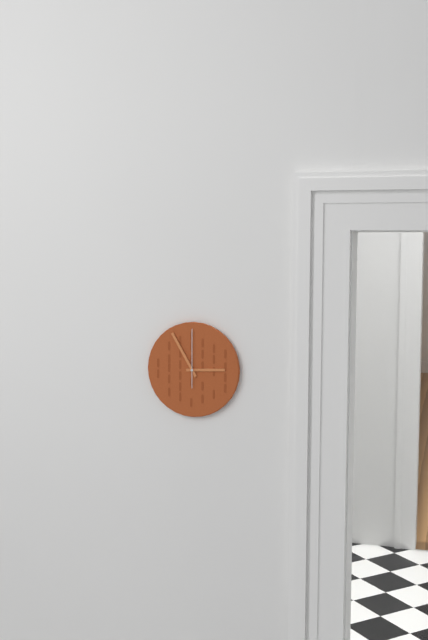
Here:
2,55,00
